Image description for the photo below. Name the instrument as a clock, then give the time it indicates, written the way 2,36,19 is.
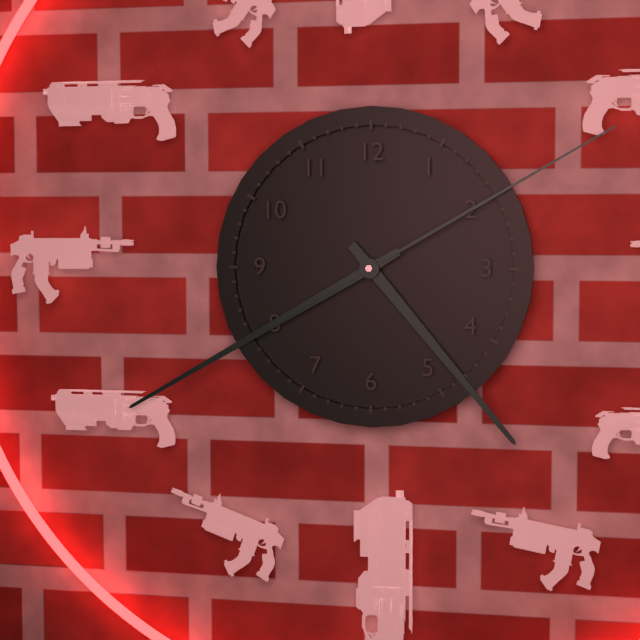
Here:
4,40,10
